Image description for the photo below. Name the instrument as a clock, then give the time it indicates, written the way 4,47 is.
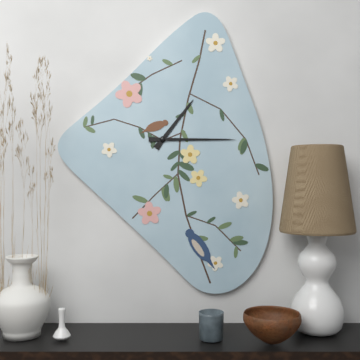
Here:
1,15
